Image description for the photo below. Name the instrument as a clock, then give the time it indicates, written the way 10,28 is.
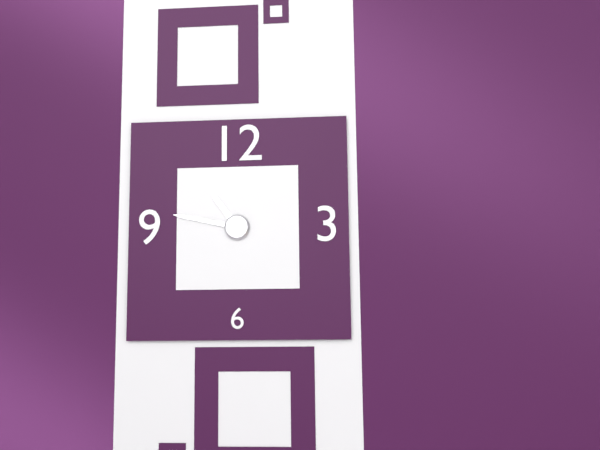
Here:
10,47
